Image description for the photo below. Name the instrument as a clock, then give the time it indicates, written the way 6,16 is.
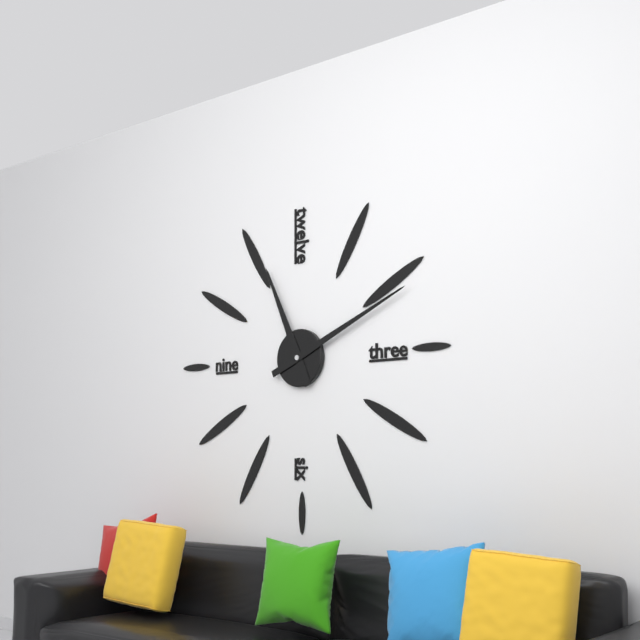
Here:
11,11
